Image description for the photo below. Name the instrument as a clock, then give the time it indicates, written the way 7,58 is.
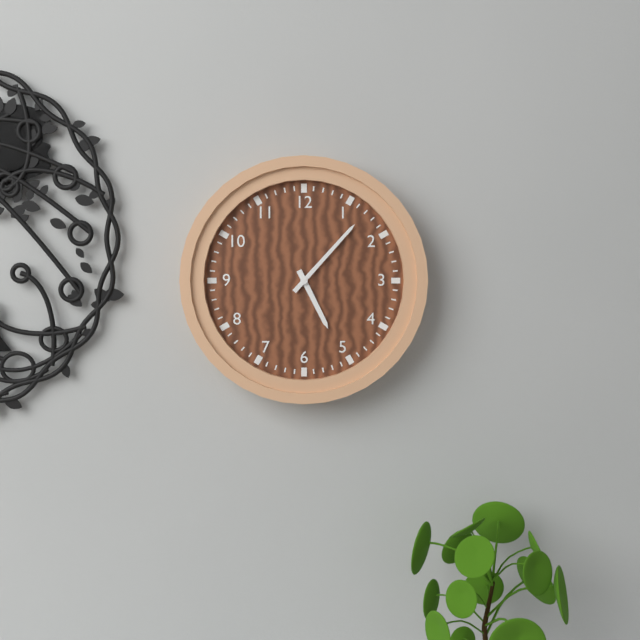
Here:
5,07
